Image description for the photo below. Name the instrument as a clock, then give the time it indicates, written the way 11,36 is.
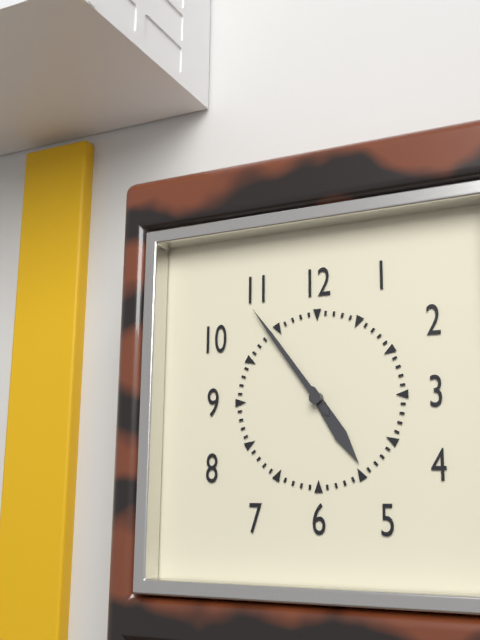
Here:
4,54
